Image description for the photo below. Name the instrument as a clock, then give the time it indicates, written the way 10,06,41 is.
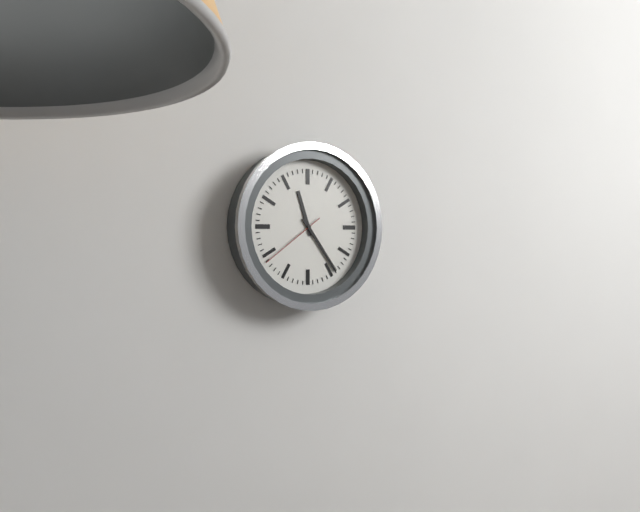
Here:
11,24,39
